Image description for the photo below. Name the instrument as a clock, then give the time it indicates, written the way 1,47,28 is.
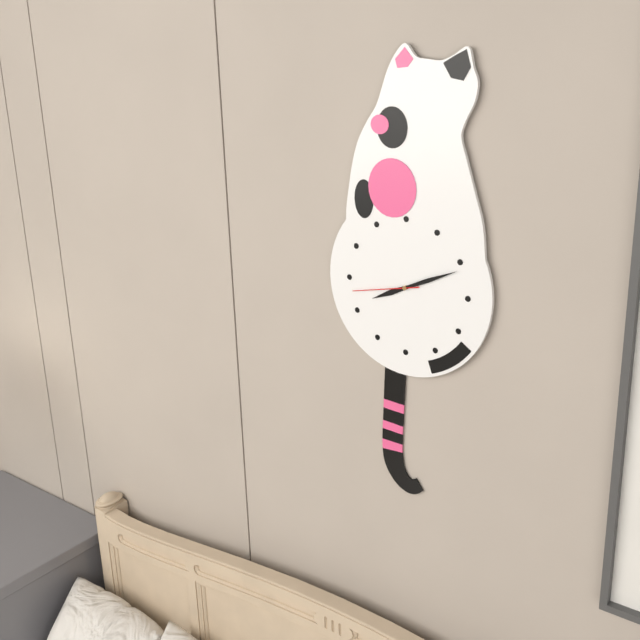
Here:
8,11,43
